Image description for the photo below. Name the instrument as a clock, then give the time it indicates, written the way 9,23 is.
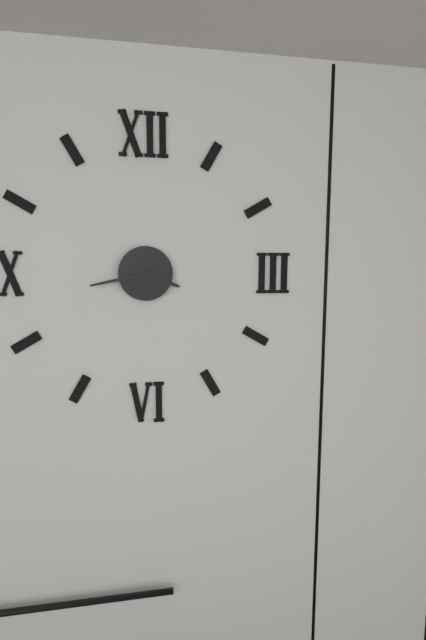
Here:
3,43
